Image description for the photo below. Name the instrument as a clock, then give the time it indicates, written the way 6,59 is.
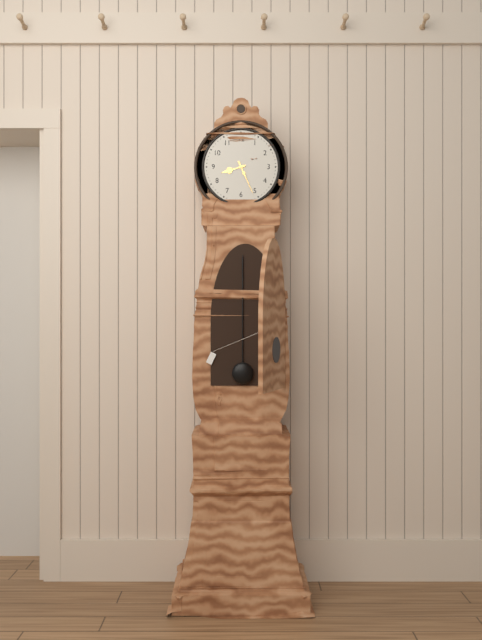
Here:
8,26
